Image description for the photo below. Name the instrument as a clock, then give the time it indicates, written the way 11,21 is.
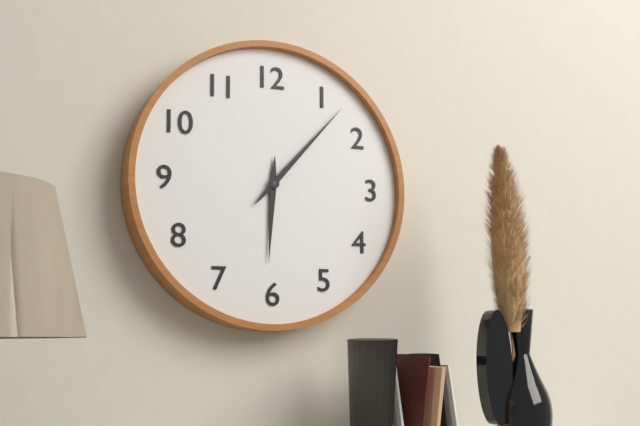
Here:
6,07
